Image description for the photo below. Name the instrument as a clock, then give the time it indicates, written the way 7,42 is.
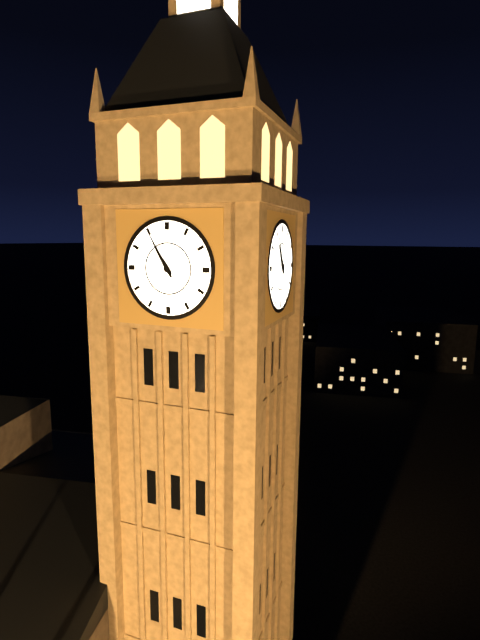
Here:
10,55
